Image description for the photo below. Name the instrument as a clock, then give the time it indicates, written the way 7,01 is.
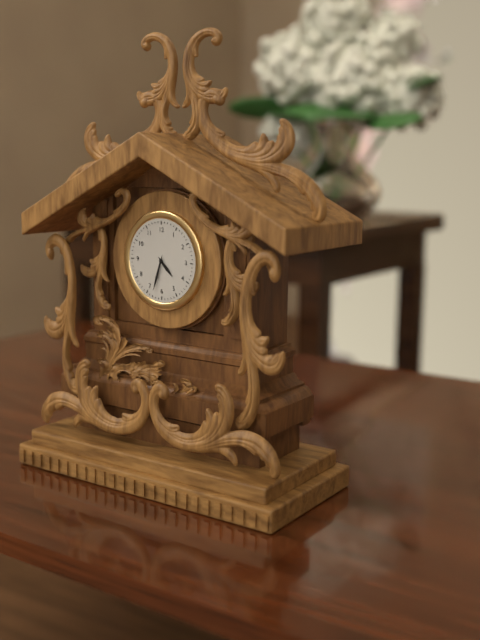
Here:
4,33
